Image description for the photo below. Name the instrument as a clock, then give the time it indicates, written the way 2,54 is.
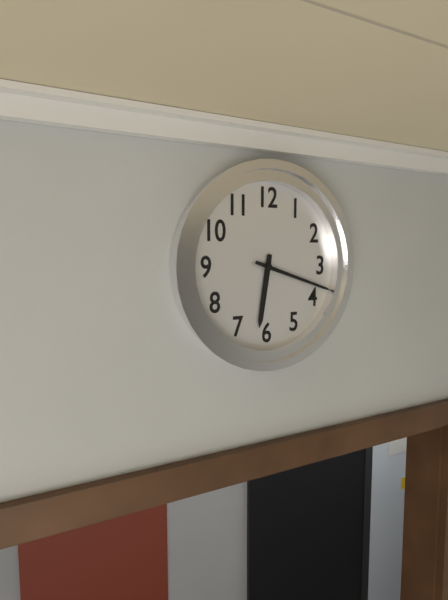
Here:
6,18
